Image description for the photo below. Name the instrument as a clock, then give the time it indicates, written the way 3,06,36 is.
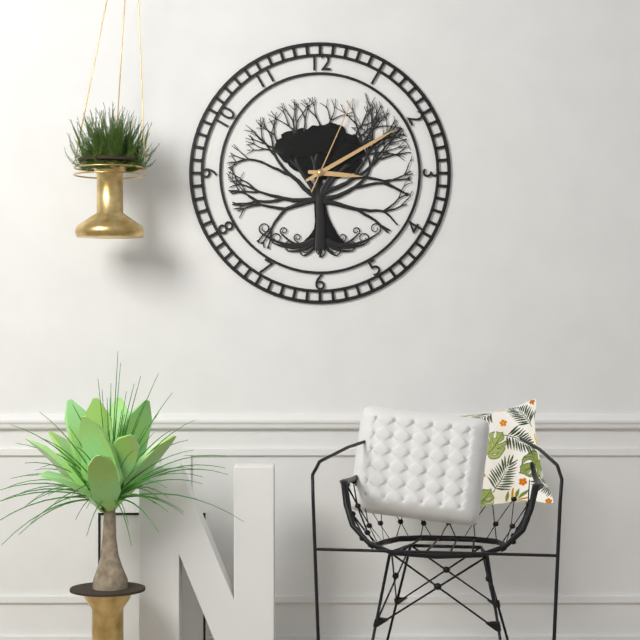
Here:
3,10,04
